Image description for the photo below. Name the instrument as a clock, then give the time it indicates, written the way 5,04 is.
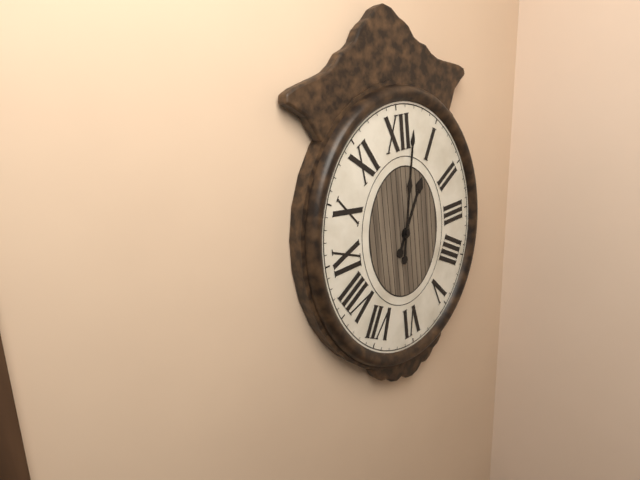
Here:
1,02
